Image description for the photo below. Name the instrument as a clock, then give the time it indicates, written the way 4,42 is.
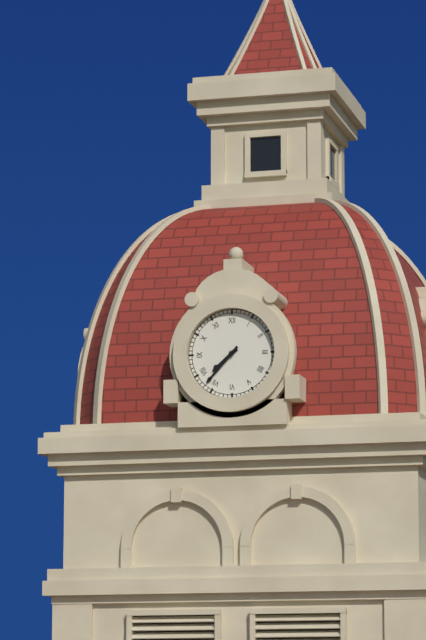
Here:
7,37
